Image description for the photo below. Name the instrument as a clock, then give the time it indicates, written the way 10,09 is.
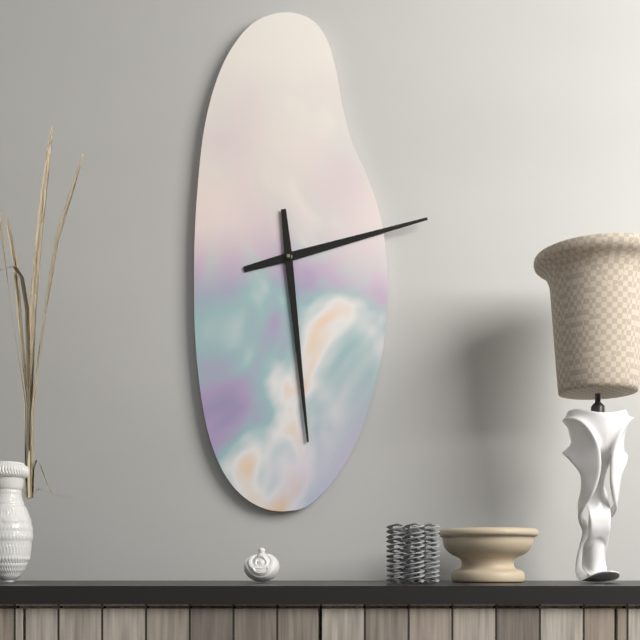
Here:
2,29
